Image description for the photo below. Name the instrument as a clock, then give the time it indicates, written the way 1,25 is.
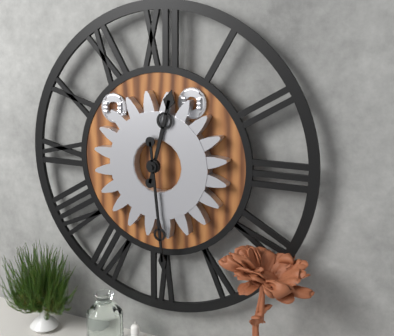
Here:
12,29
